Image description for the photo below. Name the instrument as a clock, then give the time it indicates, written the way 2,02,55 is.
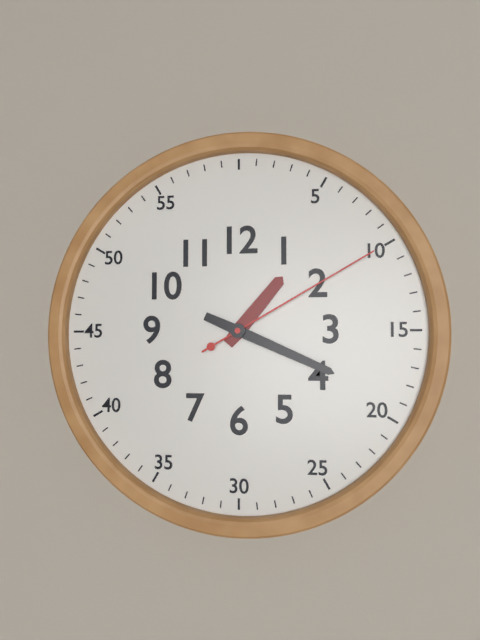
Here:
1,19,10
